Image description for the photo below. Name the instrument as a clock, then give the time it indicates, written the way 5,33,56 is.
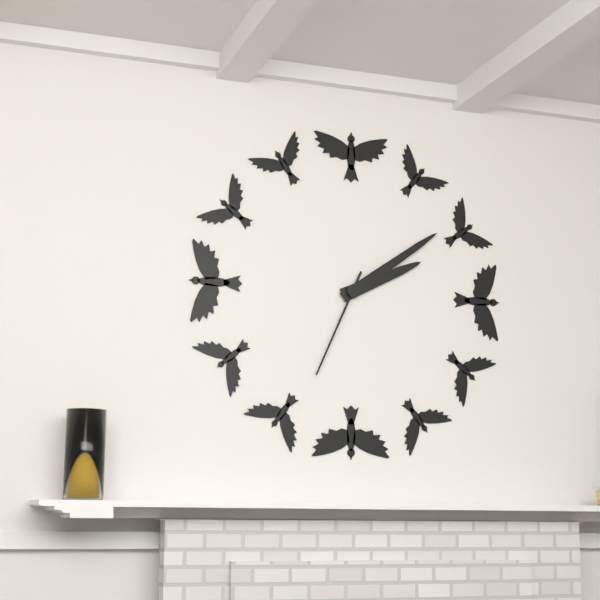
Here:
2,09,34
